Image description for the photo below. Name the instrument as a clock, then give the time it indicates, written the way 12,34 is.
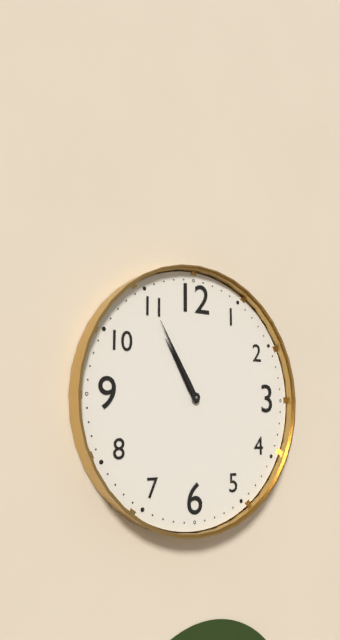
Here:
10,55
